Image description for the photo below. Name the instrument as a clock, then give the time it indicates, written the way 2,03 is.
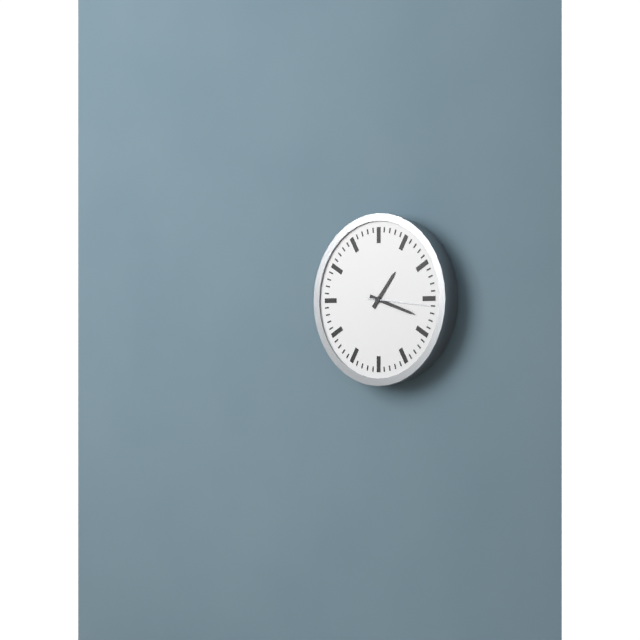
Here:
1,18
